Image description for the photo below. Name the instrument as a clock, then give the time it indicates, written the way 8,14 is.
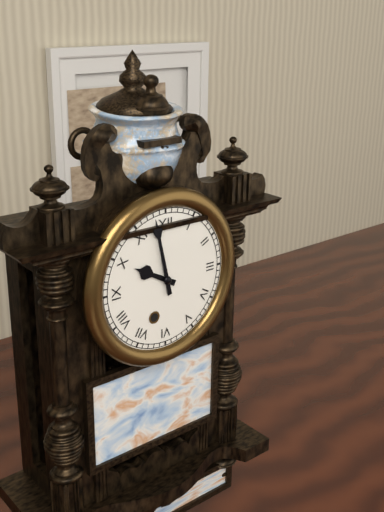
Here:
9,58
